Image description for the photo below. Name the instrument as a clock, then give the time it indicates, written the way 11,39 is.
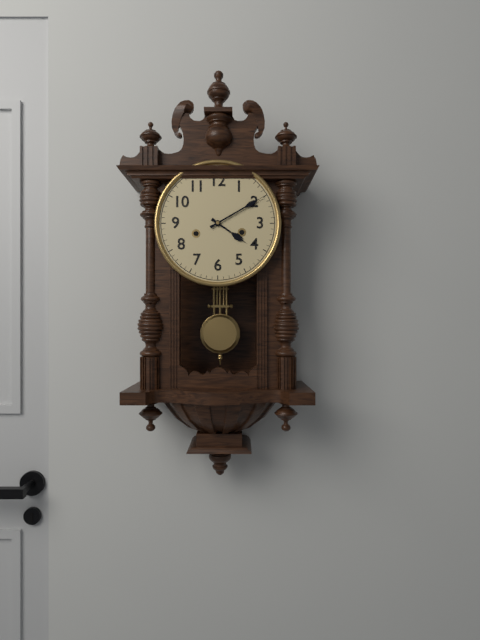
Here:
4,10
